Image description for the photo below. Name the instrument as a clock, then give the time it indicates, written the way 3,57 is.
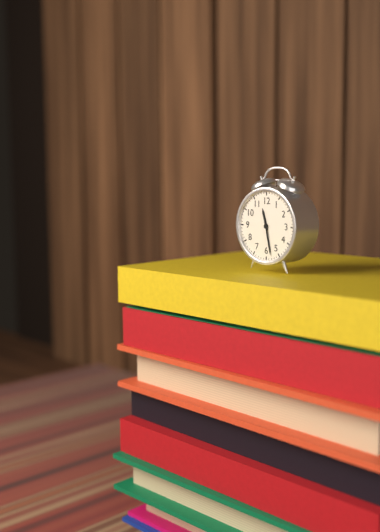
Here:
11,28
